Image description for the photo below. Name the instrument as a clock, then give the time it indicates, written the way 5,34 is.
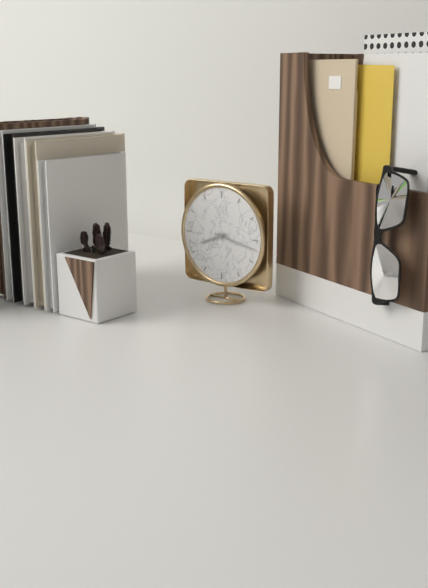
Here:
8,17
